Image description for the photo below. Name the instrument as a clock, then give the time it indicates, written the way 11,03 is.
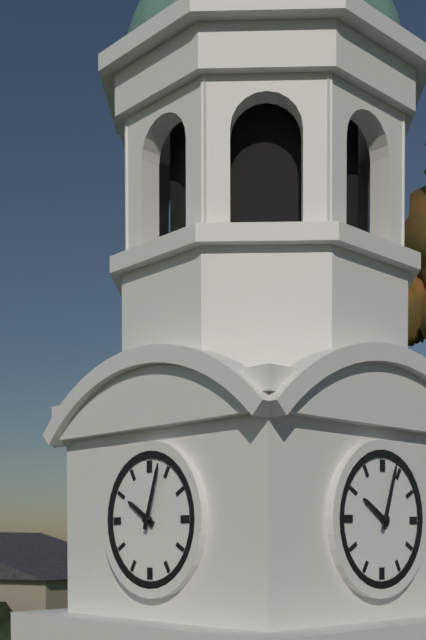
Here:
10,03
